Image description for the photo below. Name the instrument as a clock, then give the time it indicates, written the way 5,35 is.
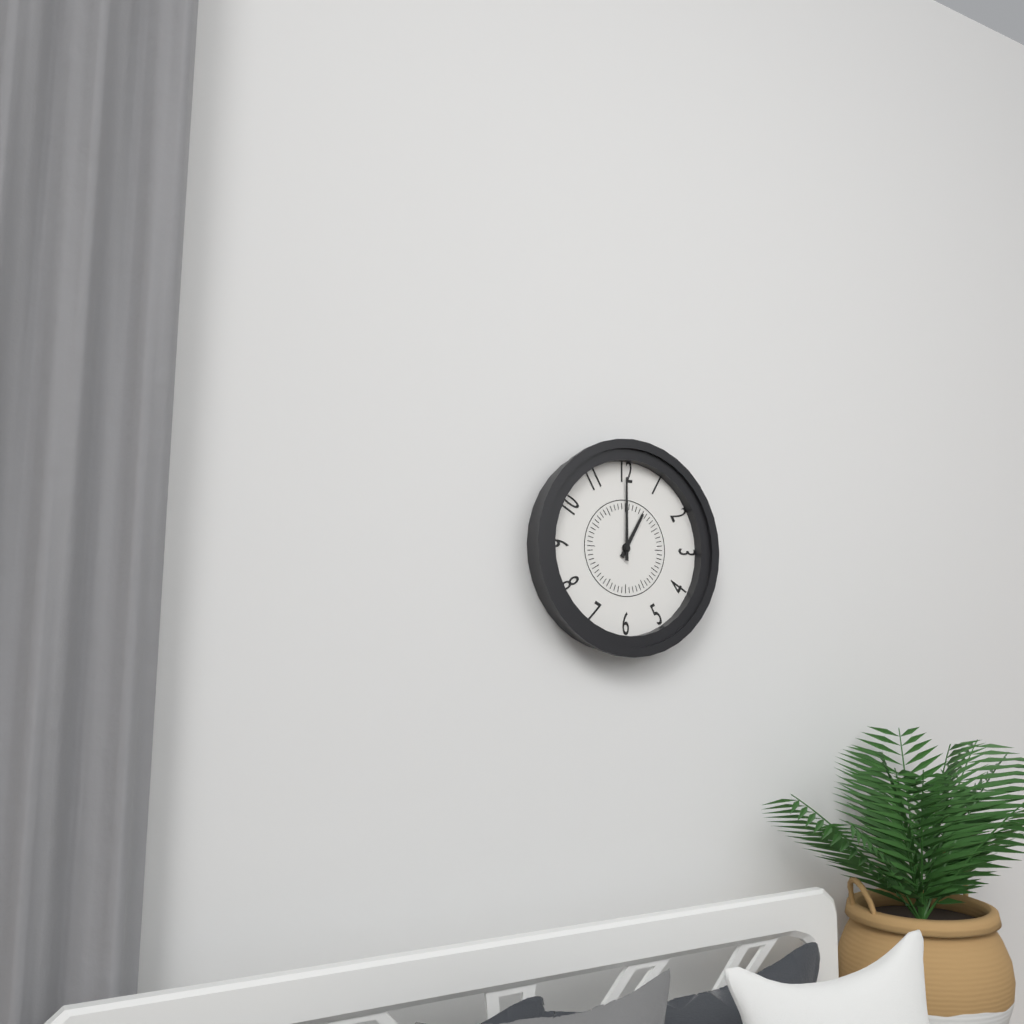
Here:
1,00
